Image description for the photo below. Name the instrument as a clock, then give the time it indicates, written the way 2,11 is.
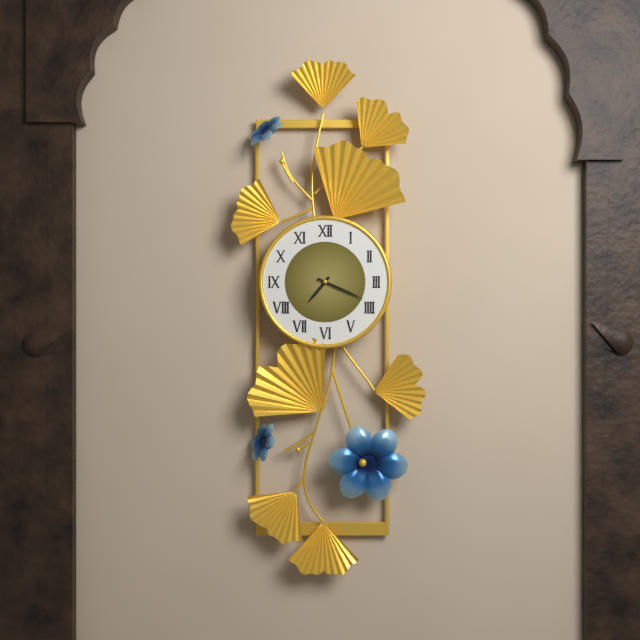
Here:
7,19
